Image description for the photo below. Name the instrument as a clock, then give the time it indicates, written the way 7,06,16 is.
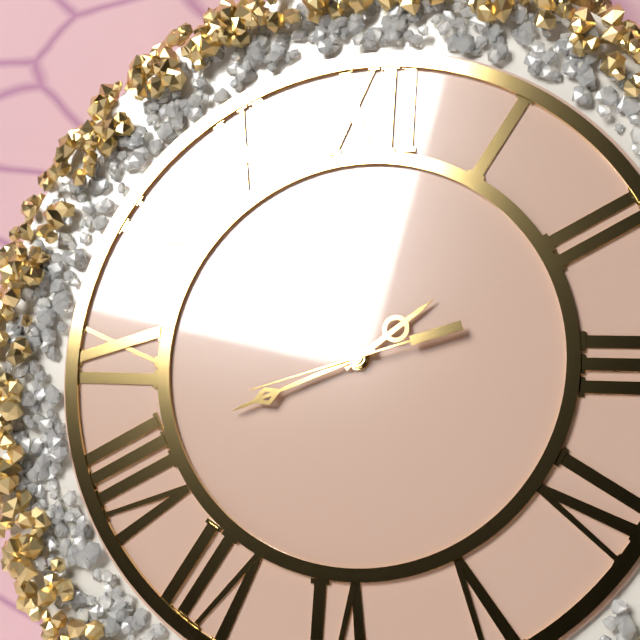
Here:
1,41,42
